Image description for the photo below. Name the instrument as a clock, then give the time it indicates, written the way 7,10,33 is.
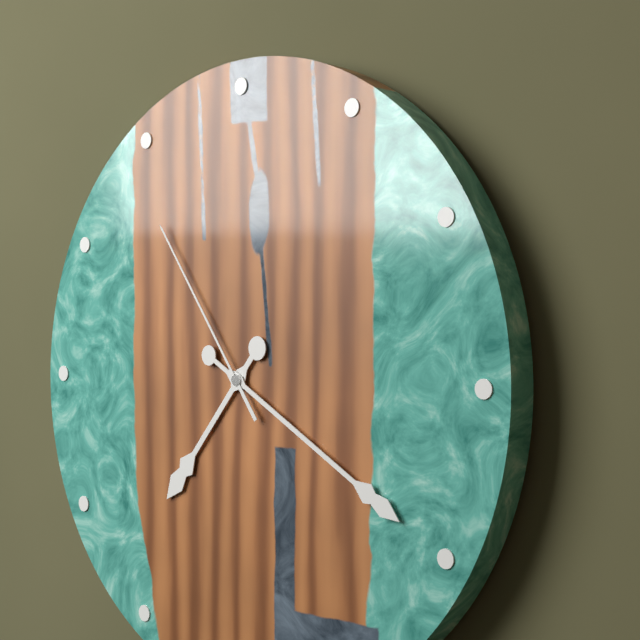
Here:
7,20,54
